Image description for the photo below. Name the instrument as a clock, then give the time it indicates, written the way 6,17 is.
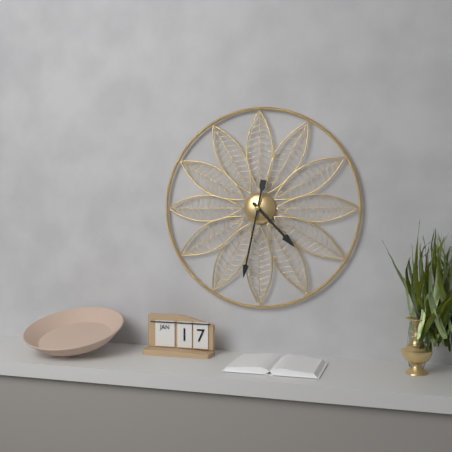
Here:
4,32
